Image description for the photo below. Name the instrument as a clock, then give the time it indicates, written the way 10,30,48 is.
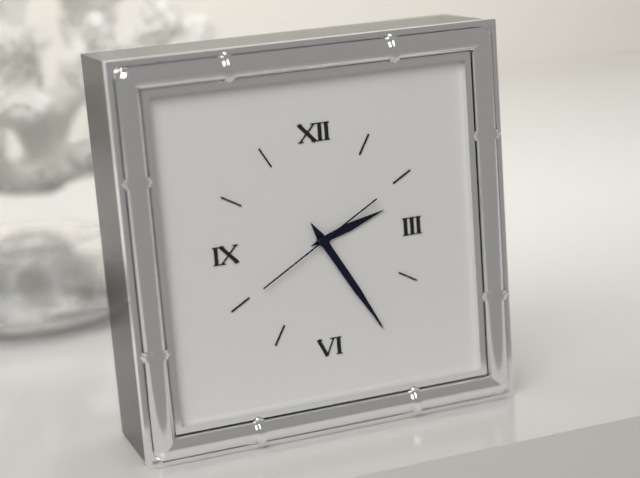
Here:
2,25,40
